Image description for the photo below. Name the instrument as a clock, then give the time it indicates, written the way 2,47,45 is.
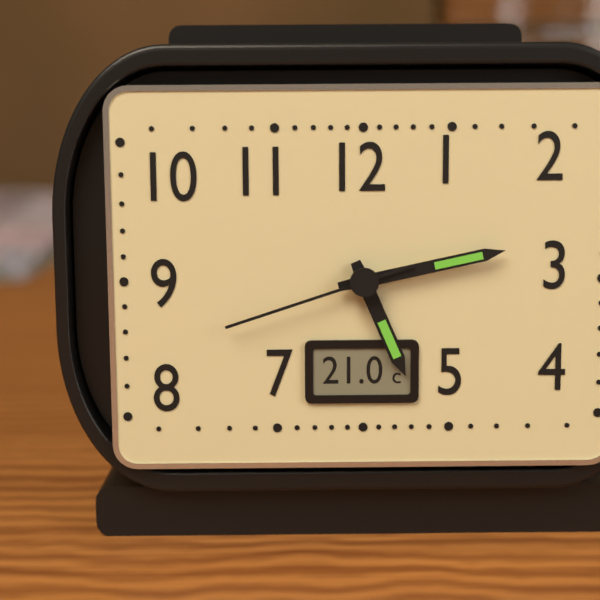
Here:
5,13,42
